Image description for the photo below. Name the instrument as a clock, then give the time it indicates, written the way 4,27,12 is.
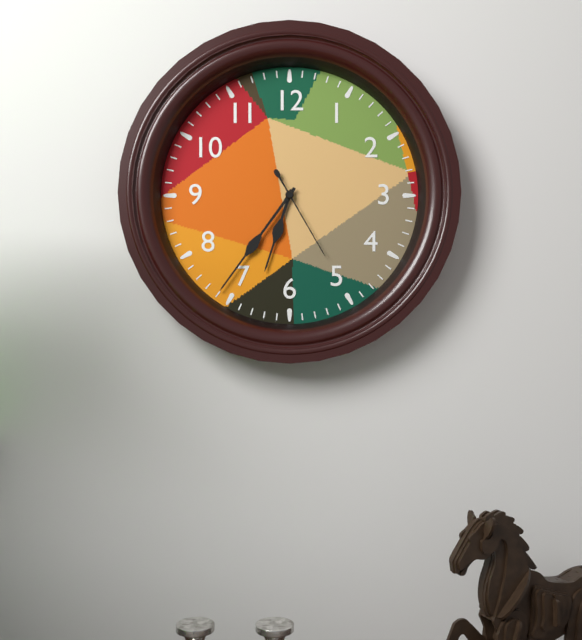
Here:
6,36,25
